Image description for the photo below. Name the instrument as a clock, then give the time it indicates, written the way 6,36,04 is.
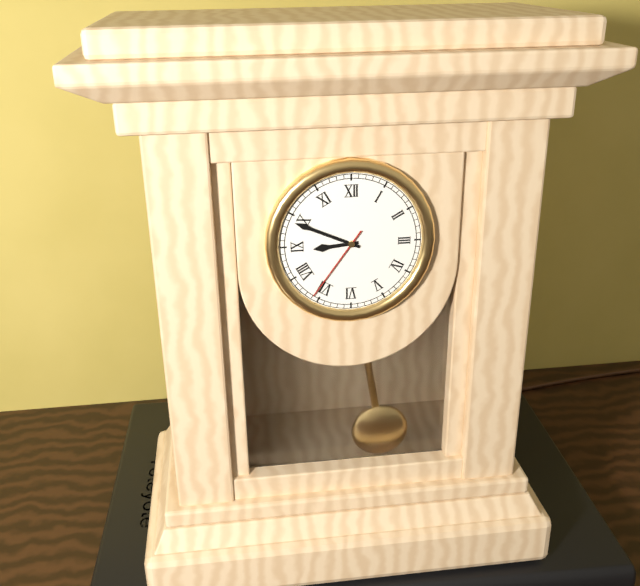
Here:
8,49,36
